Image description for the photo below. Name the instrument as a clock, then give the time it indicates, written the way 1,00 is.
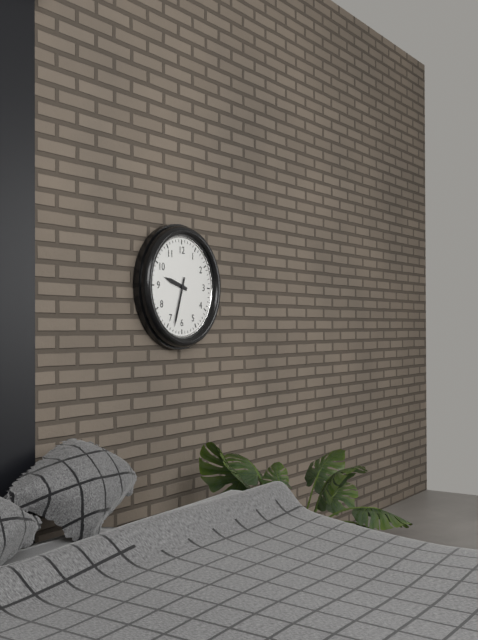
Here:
9,33
